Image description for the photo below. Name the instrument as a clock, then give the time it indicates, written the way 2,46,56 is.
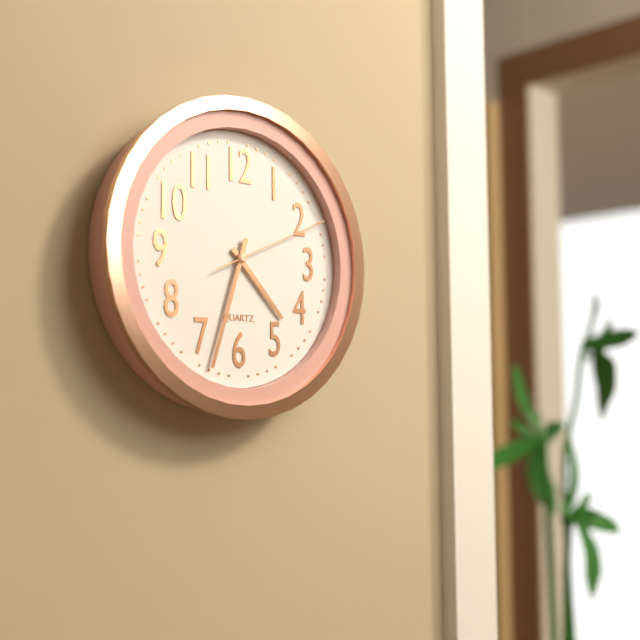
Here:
4,33,11
